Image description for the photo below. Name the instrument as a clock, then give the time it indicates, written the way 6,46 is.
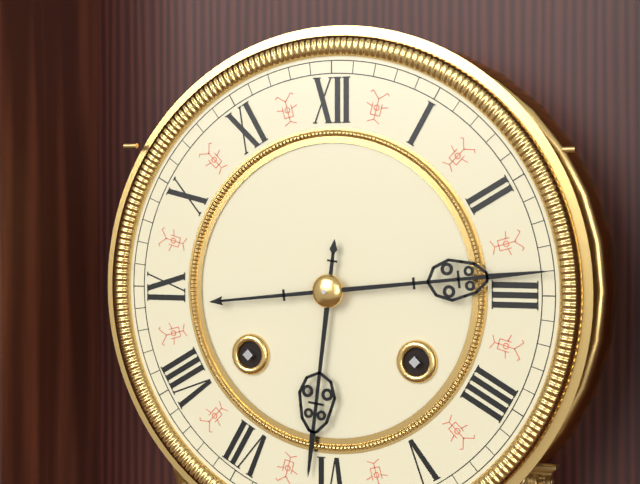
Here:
6,14
